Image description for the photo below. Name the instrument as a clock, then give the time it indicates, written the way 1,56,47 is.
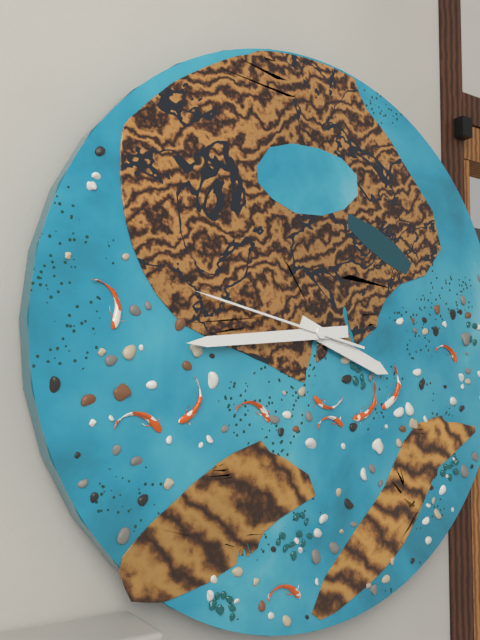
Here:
3,44,47
